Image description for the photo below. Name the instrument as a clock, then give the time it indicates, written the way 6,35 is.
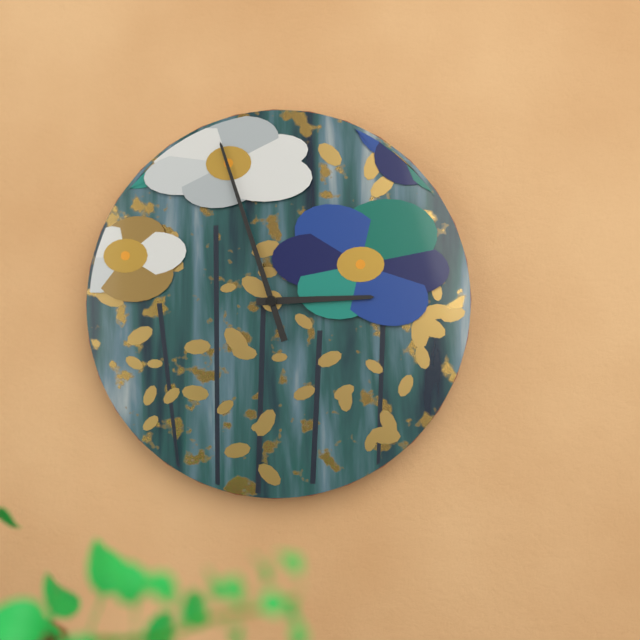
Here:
2,57
